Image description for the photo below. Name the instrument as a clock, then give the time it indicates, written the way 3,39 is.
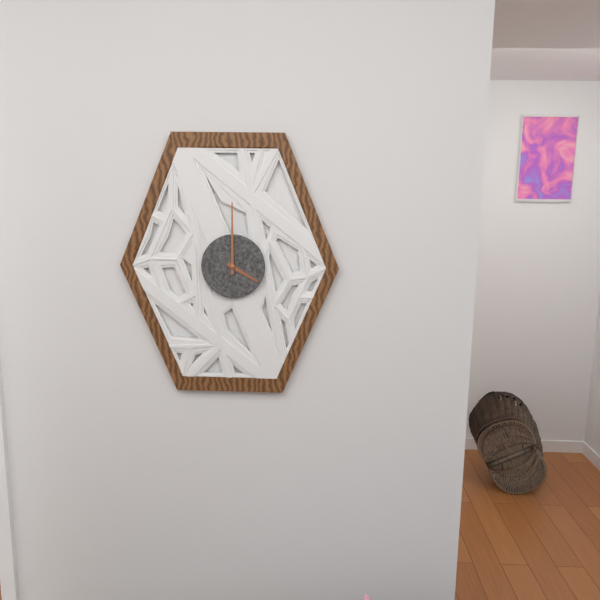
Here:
4,00
